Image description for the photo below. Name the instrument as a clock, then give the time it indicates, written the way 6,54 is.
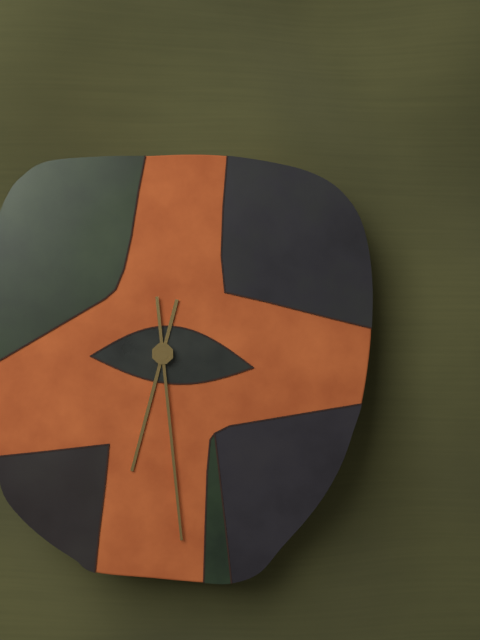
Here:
6,29
